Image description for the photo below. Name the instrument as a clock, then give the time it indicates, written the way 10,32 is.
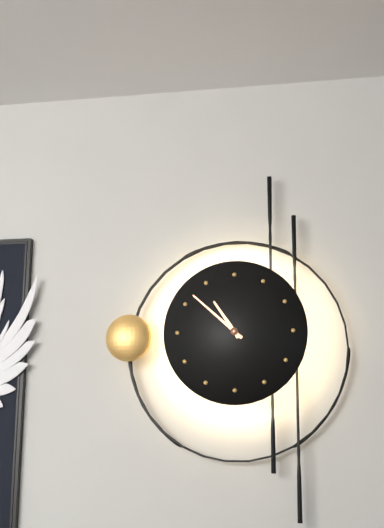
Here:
10,52
